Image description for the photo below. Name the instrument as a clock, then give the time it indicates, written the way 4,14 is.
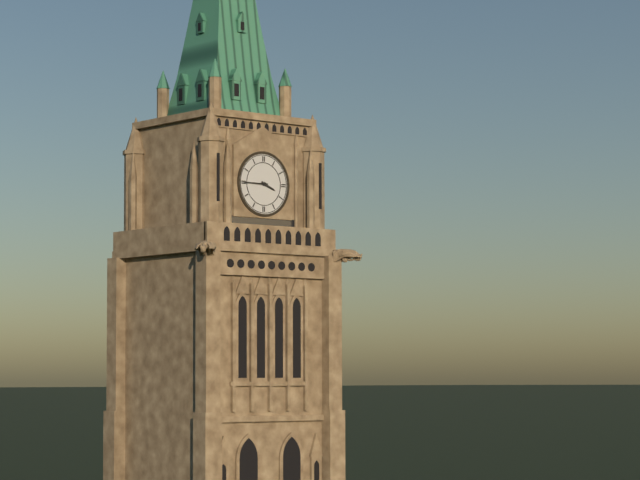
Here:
3,45
